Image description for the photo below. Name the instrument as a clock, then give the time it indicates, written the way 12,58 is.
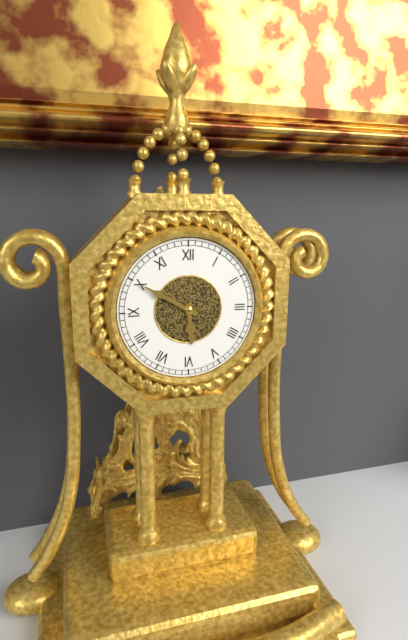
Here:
5,50
